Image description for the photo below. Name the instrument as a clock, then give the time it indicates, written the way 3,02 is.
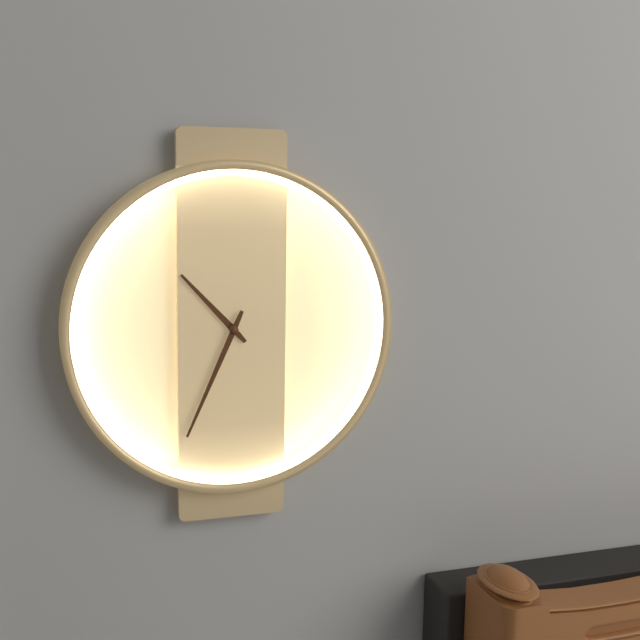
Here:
10,34
